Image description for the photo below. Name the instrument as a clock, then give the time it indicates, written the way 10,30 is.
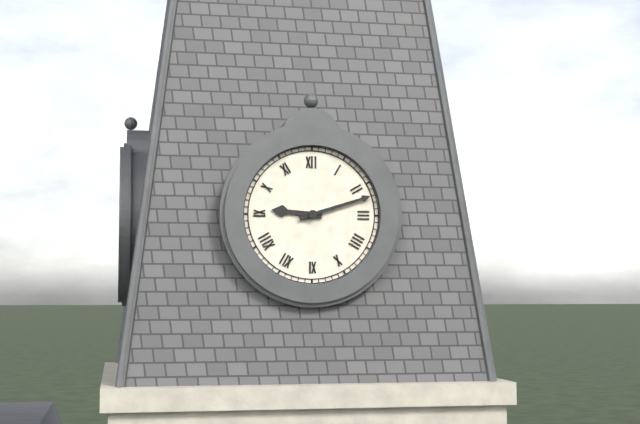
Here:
9,12
